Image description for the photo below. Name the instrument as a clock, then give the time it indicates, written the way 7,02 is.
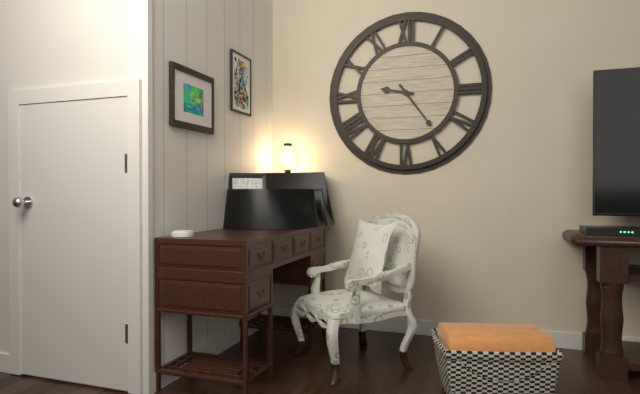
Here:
9,24
